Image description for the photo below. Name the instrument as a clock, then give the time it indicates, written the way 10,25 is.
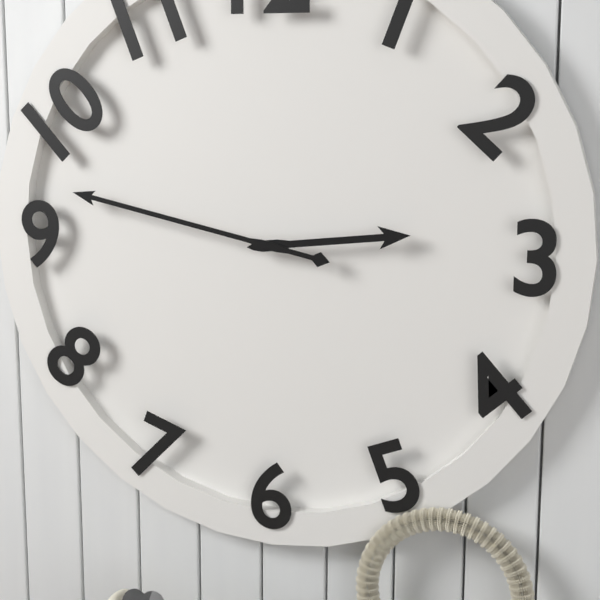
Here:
2,47
